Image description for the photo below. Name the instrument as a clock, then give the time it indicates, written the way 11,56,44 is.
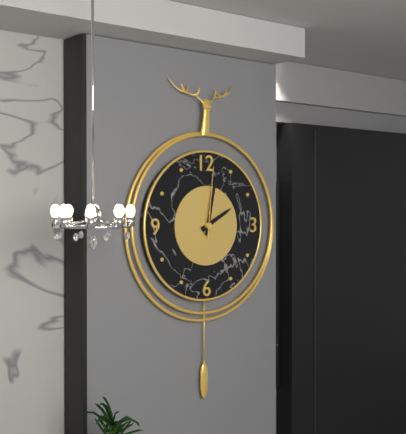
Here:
2,02,01
